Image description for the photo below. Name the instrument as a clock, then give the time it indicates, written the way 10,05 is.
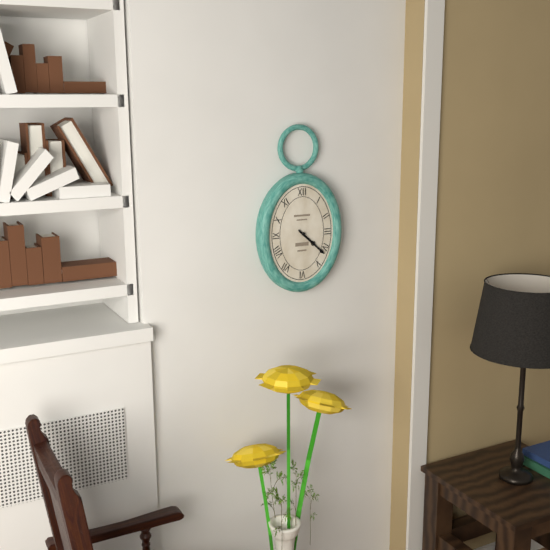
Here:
4,22
